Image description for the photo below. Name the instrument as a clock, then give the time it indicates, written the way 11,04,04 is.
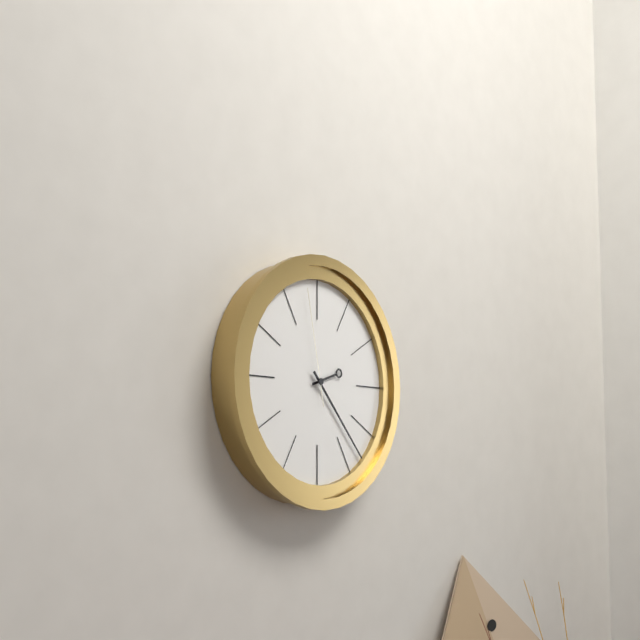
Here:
2,23,58
